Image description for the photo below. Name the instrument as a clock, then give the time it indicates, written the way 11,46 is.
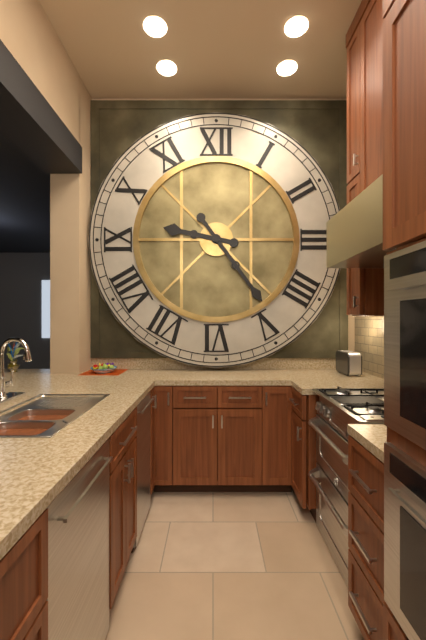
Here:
9,24
